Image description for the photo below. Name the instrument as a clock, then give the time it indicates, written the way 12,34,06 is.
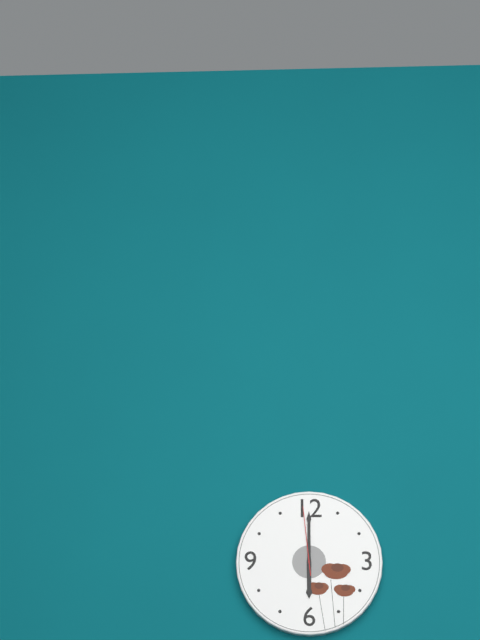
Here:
6,00,59
